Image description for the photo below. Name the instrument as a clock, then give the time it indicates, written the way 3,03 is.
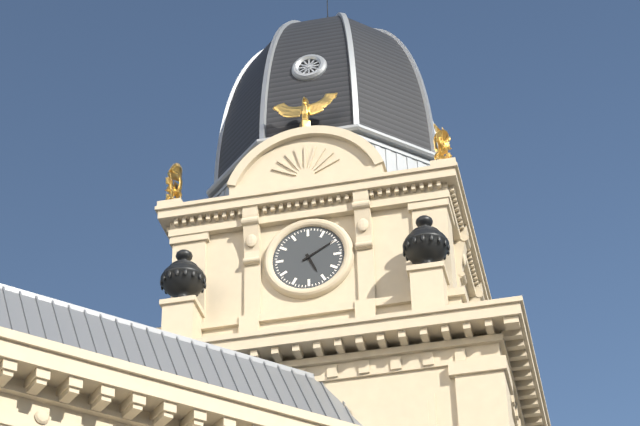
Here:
5,10
